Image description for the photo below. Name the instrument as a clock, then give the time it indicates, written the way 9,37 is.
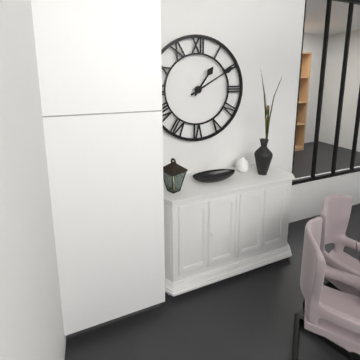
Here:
1,10
